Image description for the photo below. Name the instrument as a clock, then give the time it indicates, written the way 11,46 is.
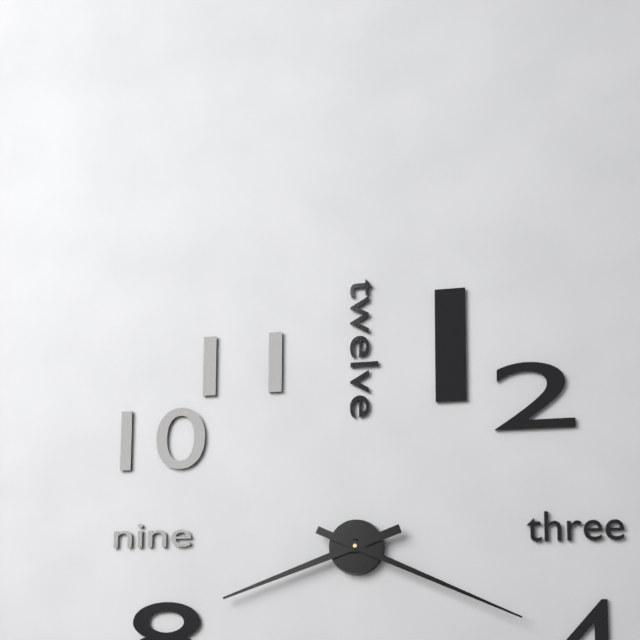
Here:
8,19
